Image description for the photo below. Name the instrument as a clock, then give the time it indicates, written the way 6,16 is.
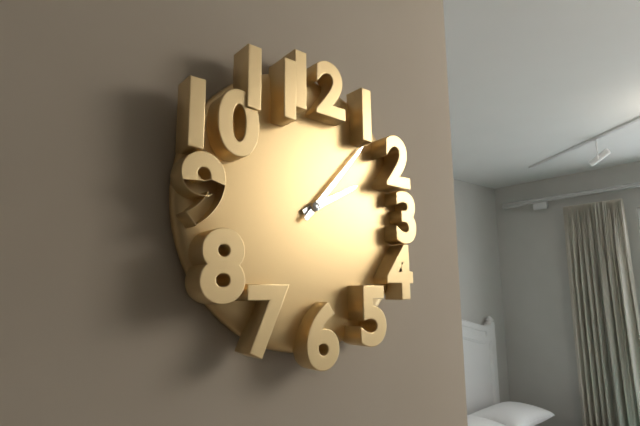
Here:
2,07
